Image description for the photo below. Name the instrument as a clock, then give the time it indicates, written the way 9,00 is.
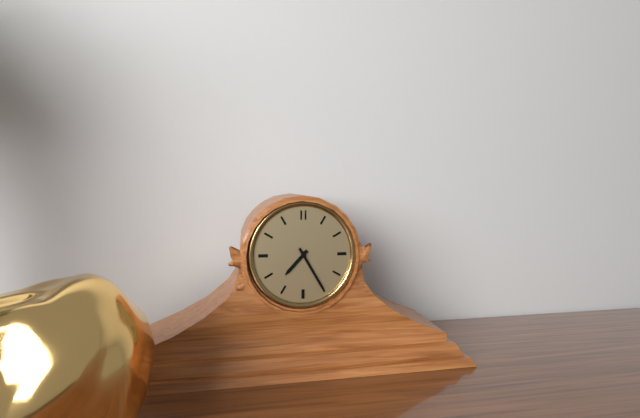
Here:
7,25
